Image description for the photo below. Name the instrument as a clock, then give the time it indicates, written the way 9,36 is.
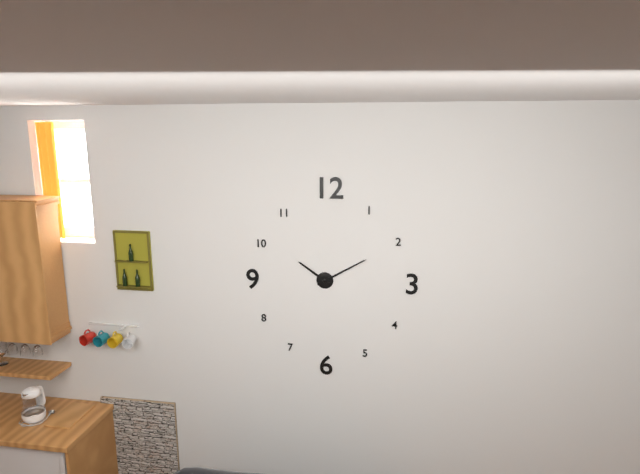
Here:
10,10
